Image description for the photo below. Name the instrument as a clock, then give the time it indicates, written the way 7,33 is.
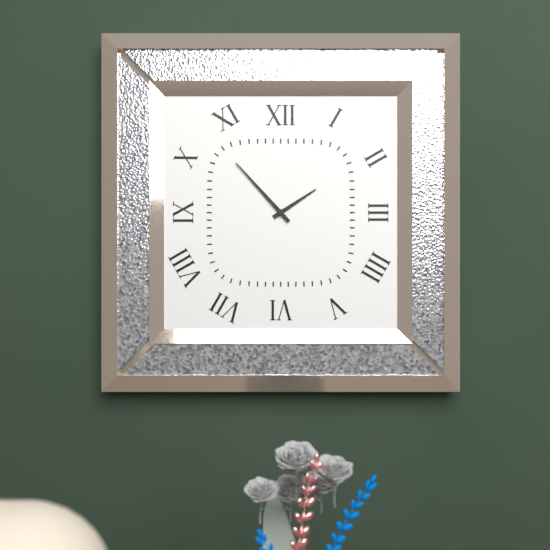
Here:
1,53
